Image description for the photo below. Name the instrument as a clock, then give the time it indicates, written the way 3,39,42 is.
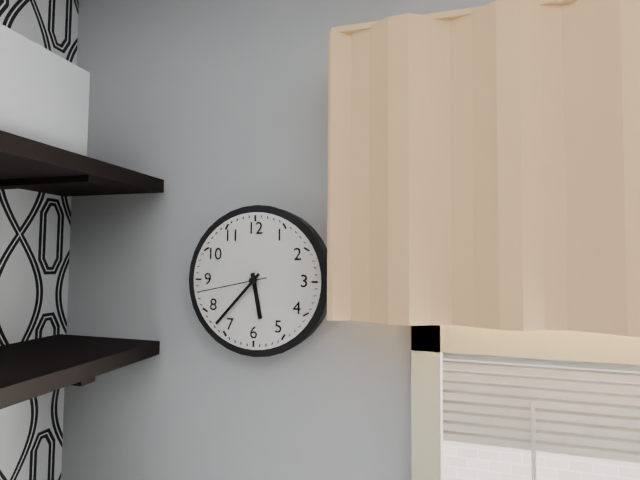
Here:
5,37,43
